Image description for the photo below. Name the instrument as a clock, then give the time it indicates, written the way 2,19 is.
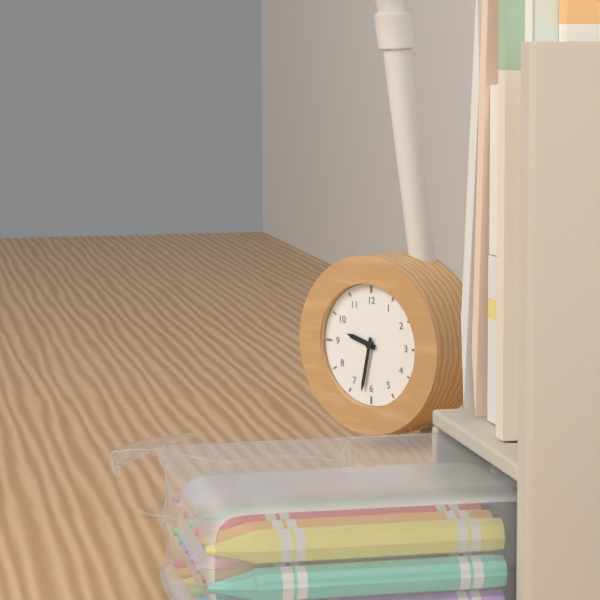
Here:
9,32
